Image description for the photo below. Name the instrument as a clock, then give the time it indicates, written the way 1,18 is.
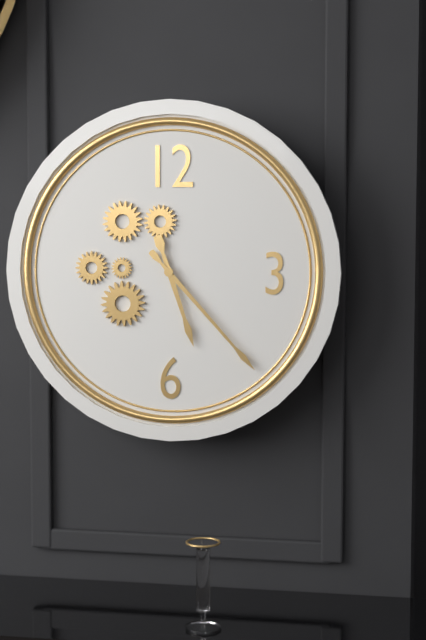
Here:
5,23
